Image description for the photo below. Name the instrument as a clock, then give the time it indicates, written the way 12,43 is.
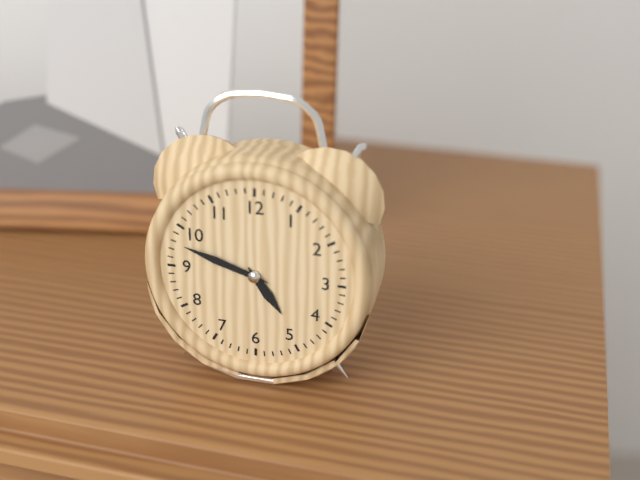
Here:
4,48
